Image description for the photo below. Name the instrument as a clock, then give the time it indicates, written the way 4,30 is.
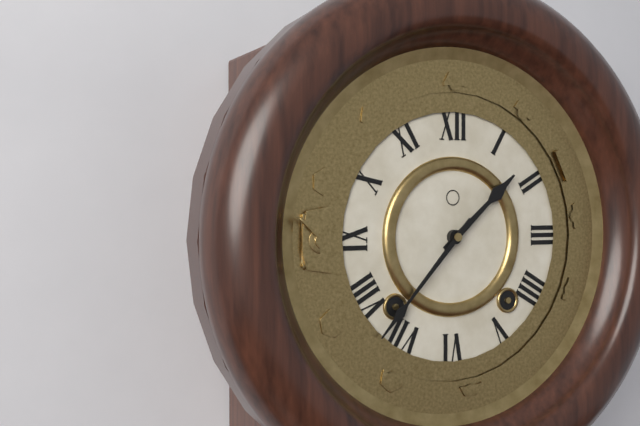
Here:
1,37
